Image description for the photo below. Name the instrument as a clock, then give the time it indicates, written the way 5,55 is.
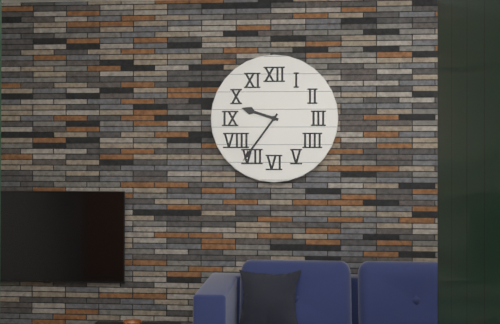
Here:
9,36
